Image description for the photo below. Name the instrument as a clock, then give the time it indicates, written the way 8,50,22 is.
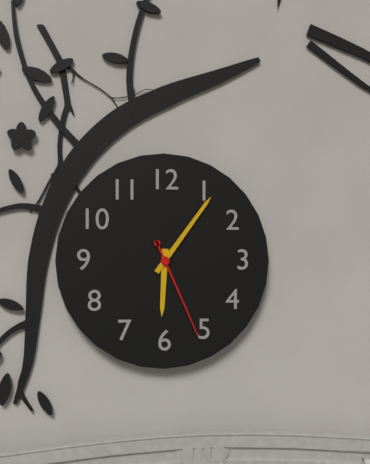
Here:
6,06,26
